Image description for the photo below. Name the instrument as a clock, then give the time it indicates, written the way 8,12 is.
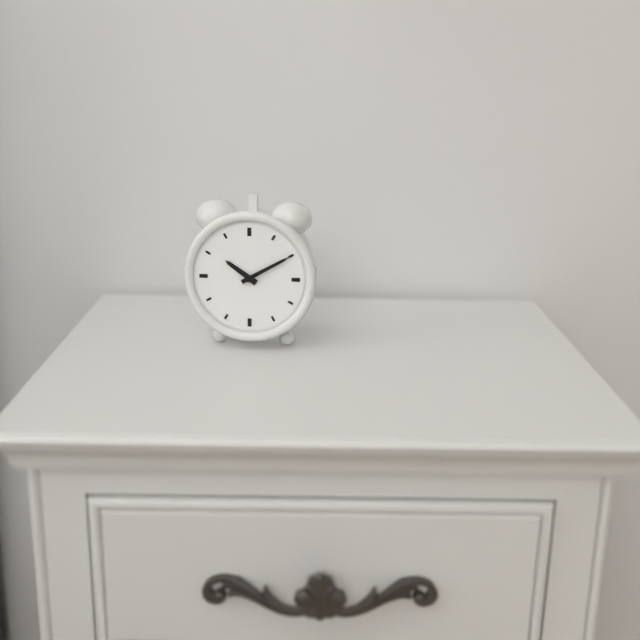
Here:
10,10
